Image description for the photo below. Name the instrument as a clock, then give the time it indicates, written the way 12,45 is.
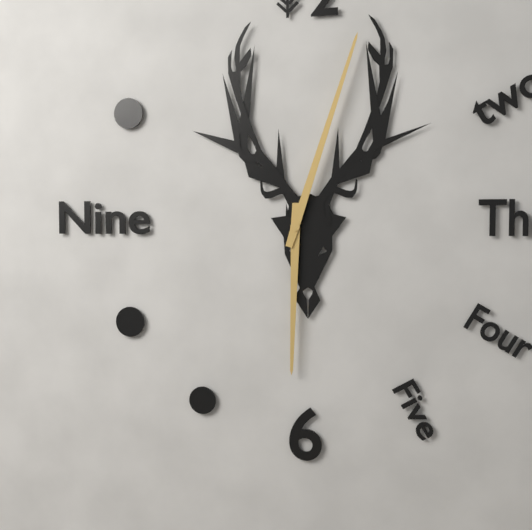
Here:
6,03
